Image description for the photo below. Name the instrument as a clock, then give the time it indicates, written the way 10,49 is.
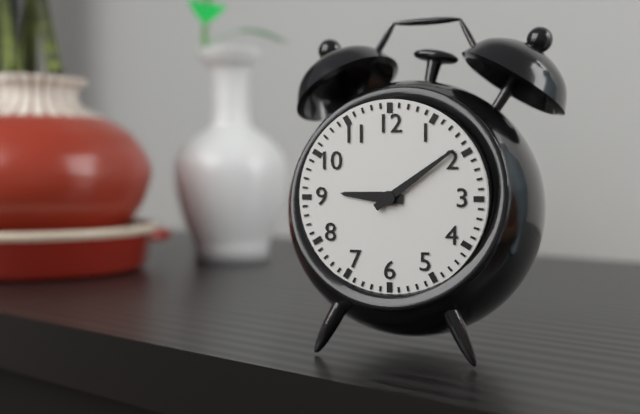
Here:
9,09
